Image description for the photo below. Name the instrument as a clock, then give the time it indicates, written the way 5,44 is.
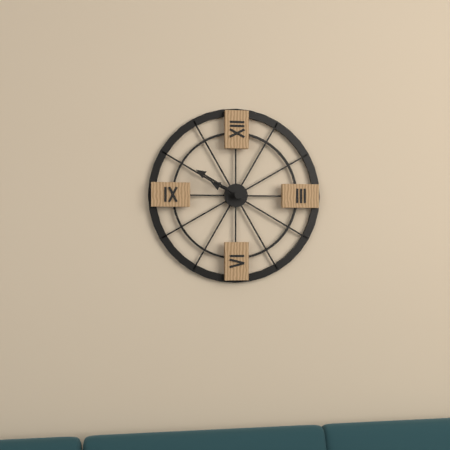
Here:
9,50
